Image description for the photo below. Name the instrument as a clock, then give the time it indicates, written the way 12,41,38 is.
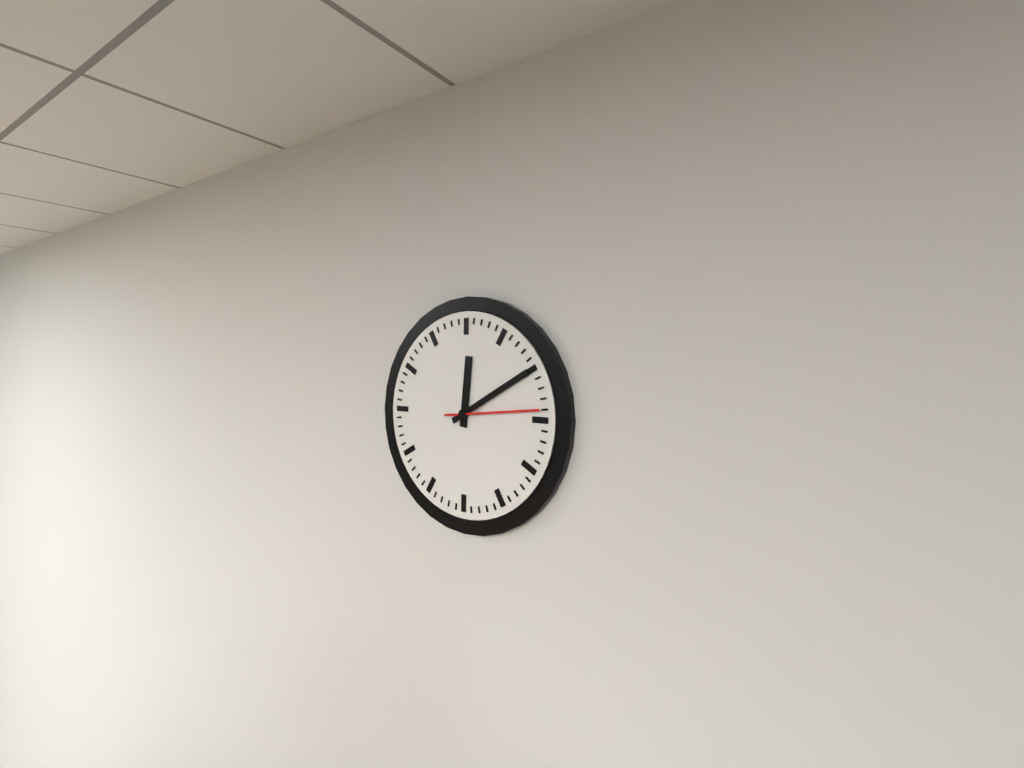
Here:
12,10,14
